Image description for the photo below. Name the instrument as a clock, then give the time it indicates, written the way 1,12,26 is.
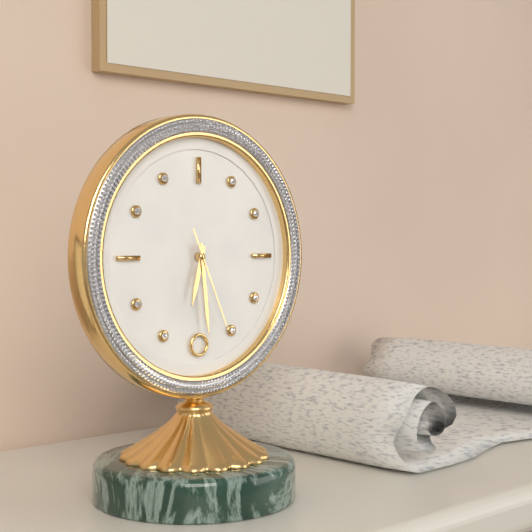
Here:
6,29,26
